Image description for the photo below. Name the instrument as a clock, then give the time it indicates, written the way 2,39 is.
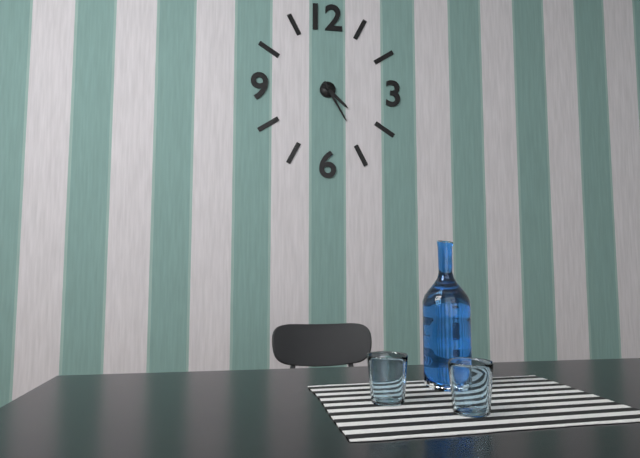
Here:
4,25
